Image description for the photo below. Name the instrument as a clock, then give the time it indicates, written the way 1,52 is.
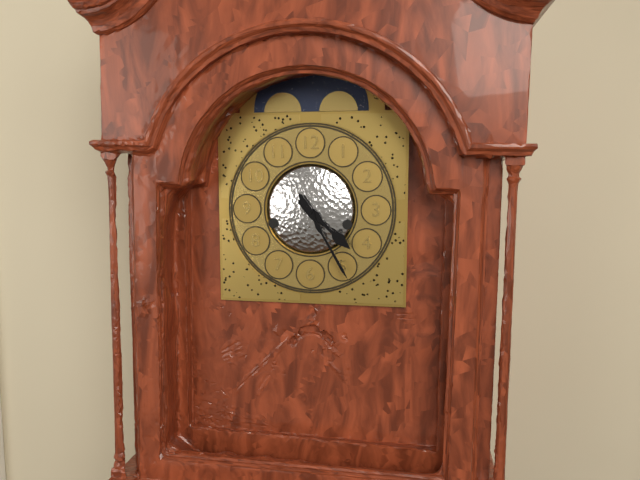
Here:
4,25
